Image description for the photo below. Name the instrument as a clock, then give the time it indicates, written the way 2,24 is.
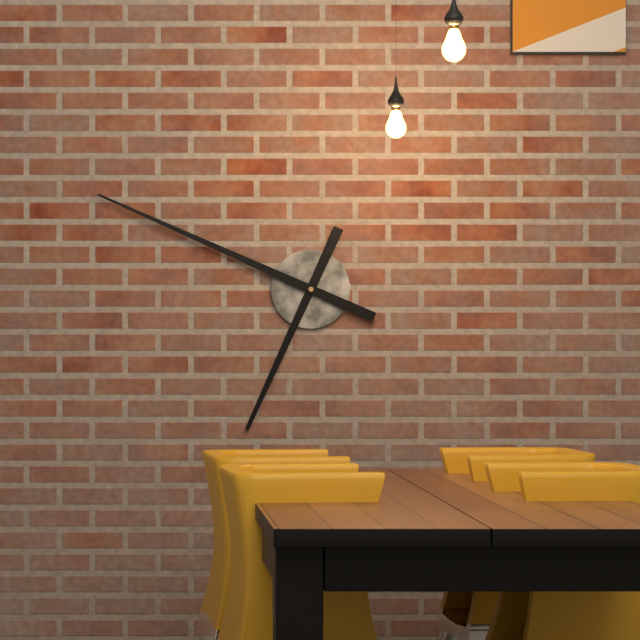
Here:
6,49
